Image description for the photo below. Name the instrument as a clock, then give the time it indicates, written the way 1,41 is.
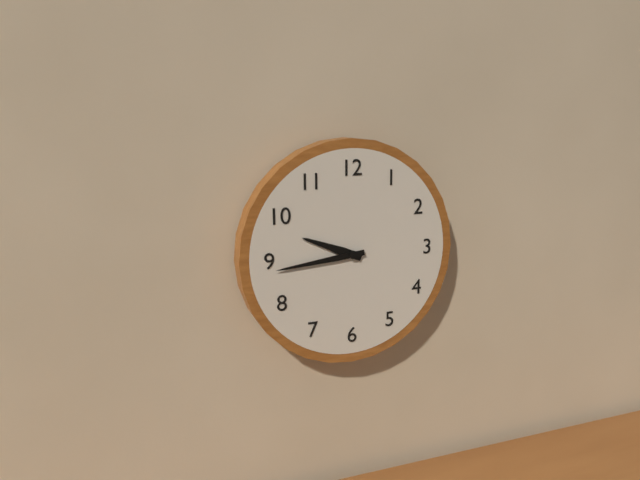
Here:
9,44
